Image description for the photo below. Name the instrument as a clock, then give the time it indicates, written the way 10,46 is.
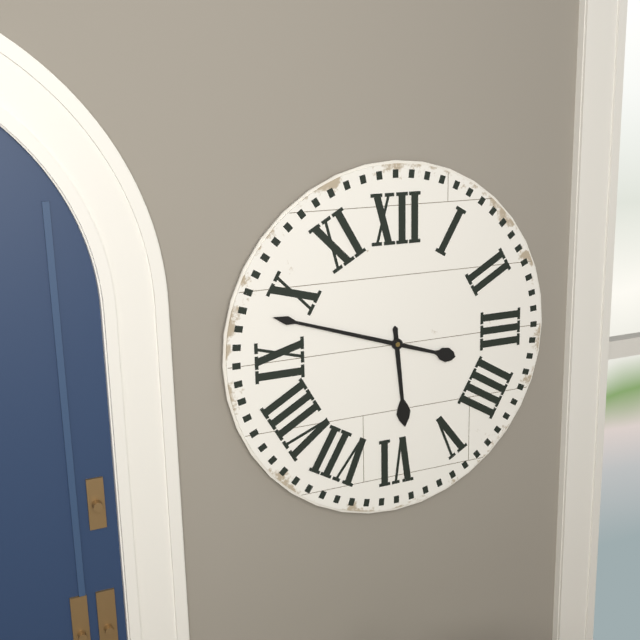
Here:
5,48
